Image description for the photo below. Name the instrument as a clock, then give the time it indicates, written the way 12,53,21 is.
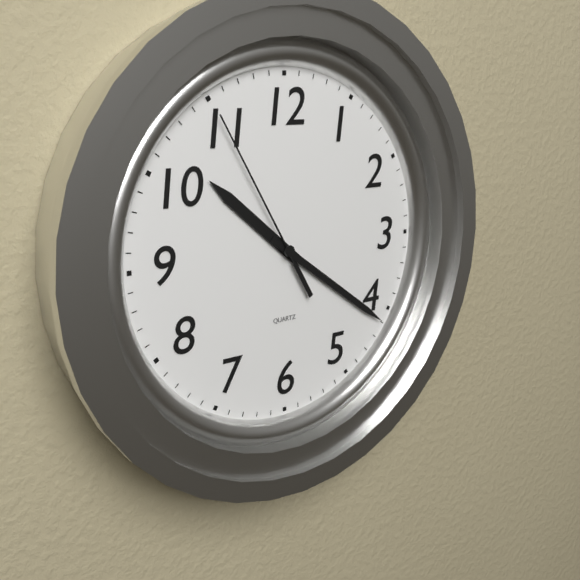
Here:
10,21,55
